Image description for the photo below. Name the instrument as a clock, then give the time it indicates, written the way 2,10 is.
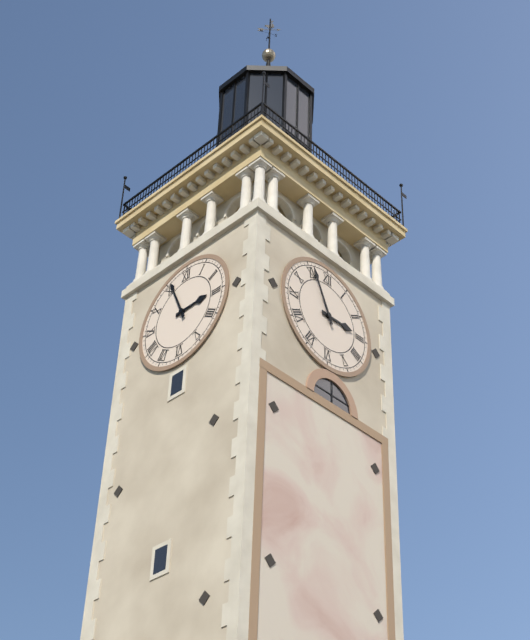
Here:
2,56
